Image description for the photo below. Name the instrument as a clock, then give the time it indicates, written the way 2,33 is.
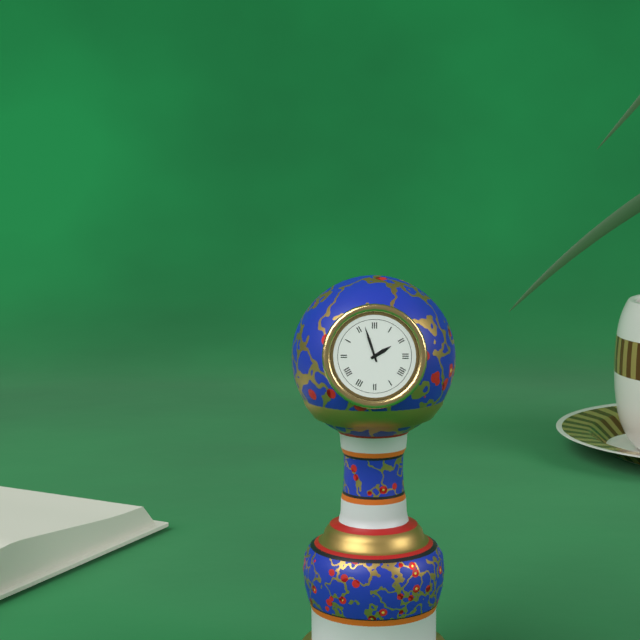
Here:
1,57
